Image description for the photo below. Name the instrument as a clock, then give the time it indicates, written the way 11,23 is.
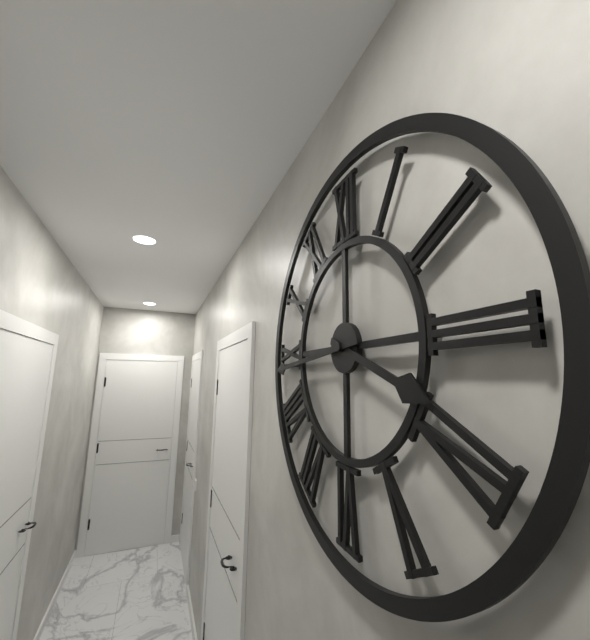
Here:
3,44
